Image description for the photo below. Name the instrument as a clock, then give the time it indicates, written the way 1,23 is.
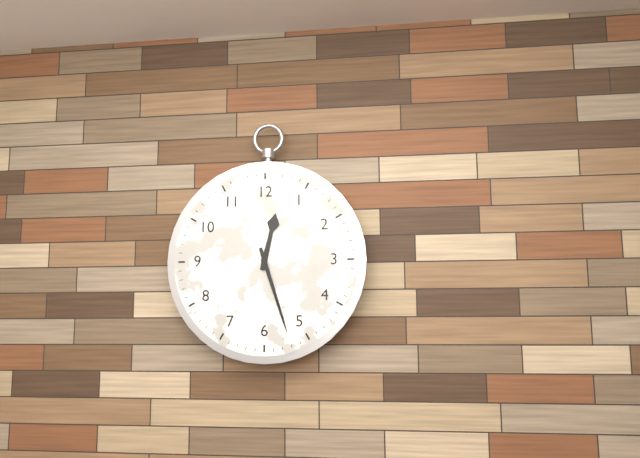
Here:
12,27
